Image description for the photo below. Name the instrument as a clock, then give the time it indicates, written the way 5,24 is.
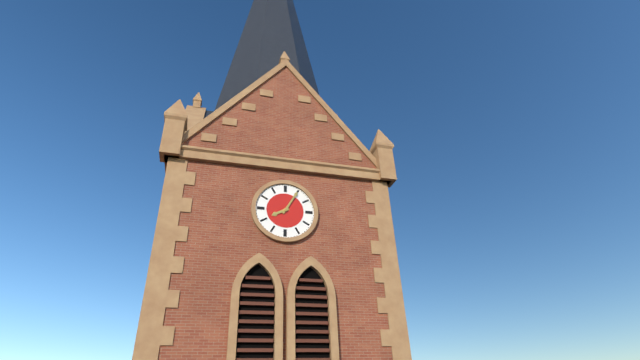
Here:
8,05
